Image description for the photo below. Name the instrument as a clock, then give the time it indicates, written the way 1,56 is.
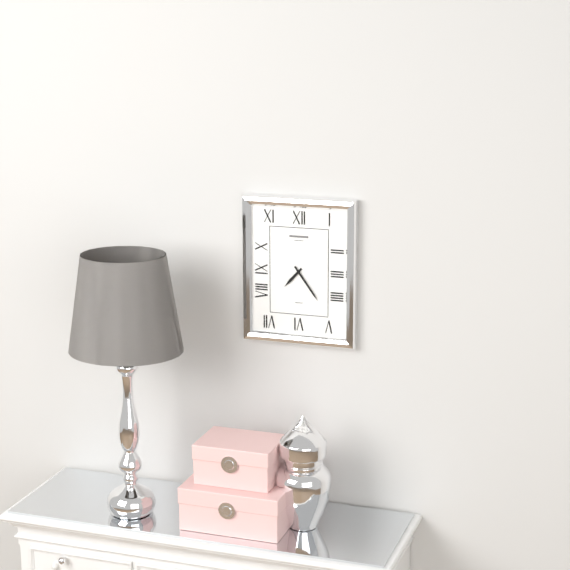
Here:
7,24
